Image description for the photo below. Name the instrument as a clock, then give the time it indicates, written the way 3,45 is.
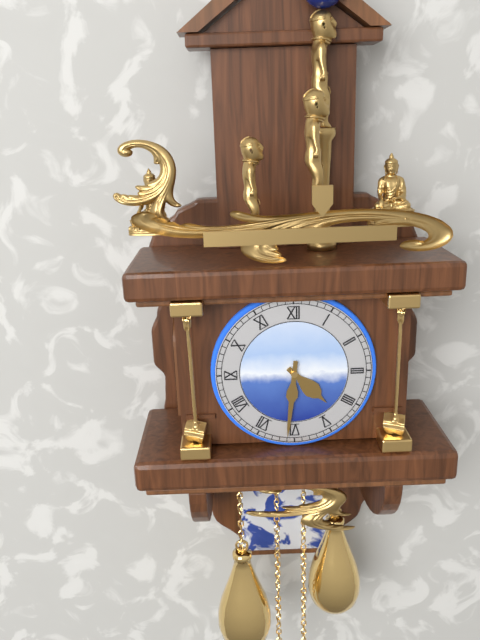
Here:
4,31
